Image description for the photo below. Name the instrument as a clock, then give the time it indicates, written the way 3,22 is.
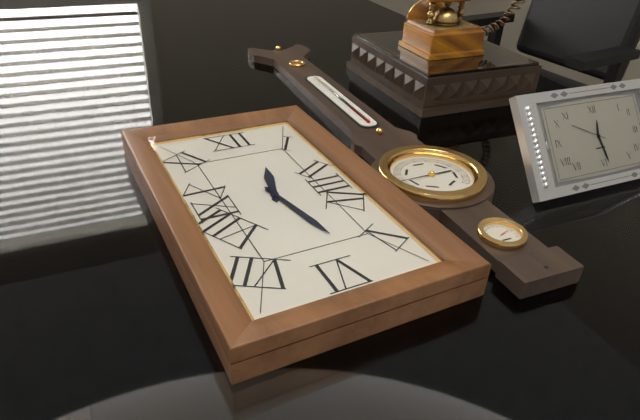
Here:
12,28
